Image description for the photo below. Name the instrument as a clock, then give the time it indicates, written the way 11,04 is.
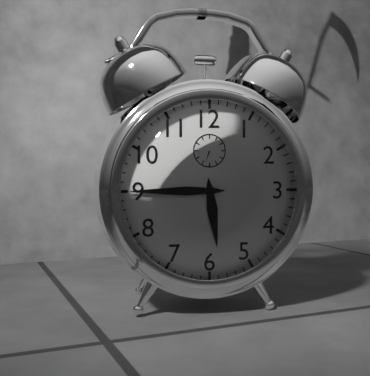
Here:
5,45
